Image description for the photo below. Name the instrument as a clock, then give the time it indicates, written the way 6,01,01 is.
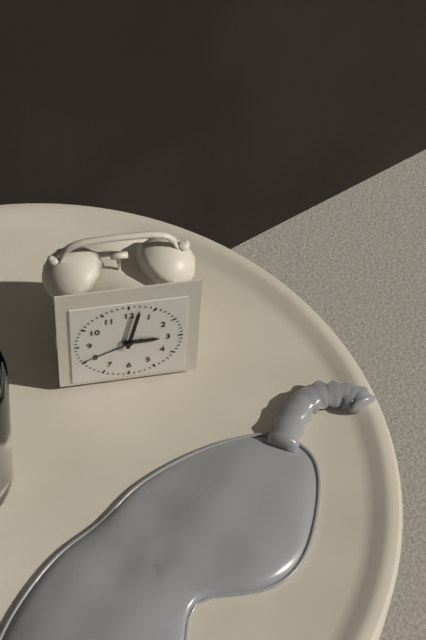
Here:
3,02,41
